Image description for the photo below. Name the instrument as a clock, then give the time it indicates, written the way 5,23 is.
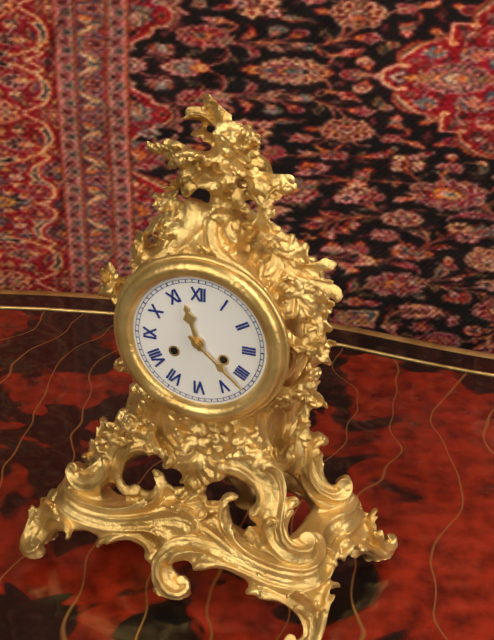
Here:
11,22
